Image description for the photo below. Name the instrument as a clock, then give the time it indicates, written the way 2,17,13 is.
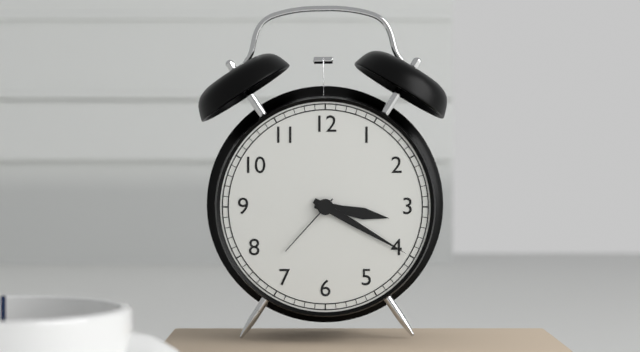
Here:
3,20,37
